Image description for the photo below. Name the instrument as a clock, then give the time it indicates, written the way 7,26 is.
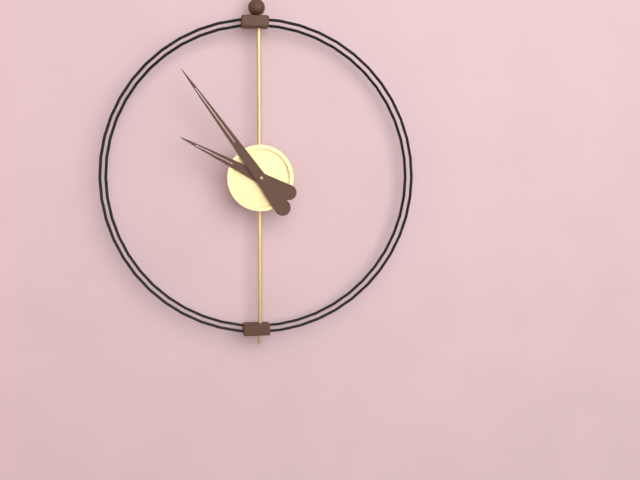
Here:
9,54
